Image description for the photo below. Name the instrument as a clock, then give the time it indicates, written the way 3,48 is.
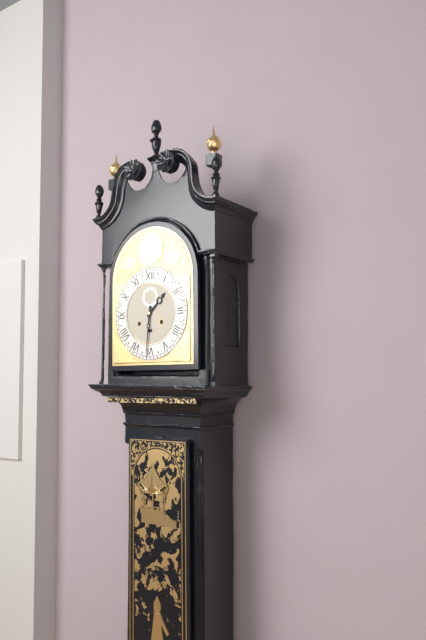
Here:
1,31
